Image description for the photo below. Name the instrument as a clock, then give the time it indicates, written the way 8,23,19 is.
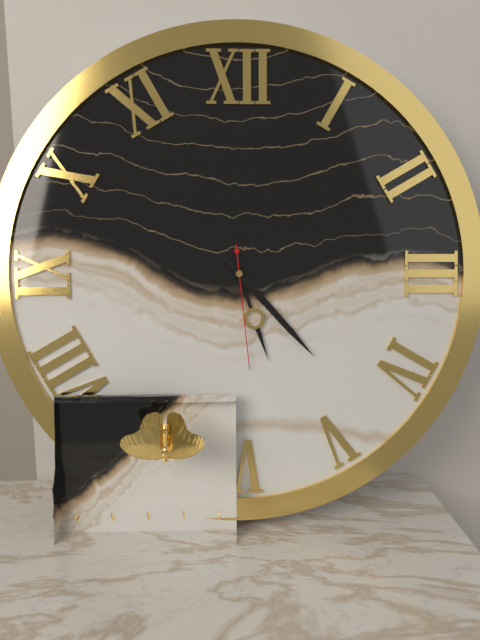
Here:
5,23,29
